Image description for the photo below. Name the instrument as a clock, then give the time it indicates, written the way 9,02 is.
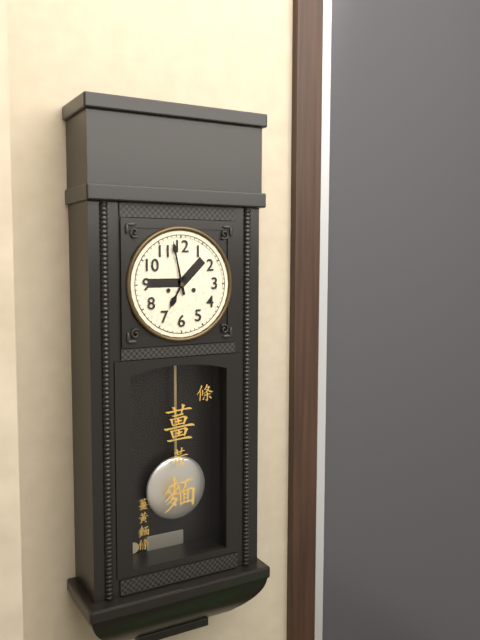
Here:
6,58
